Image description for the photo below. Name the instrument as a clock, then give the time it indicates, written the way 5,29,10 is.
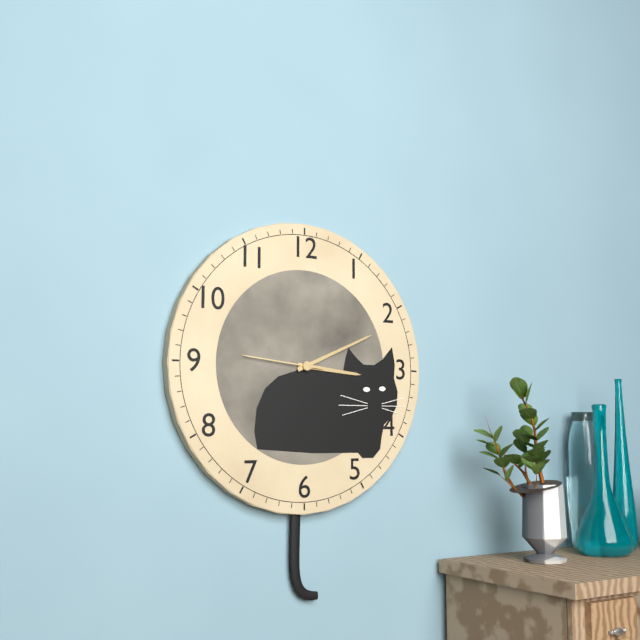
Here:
3,11,46
